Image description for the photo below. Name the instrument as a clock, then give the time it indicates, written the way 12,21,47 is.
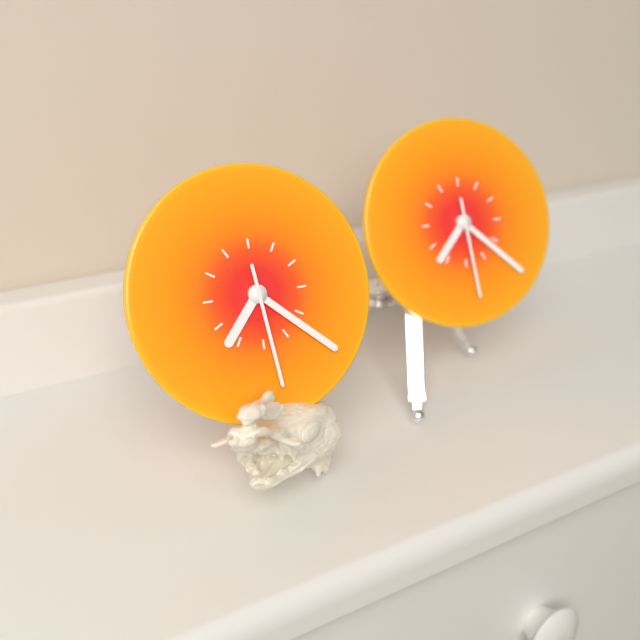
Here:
7,22,29
